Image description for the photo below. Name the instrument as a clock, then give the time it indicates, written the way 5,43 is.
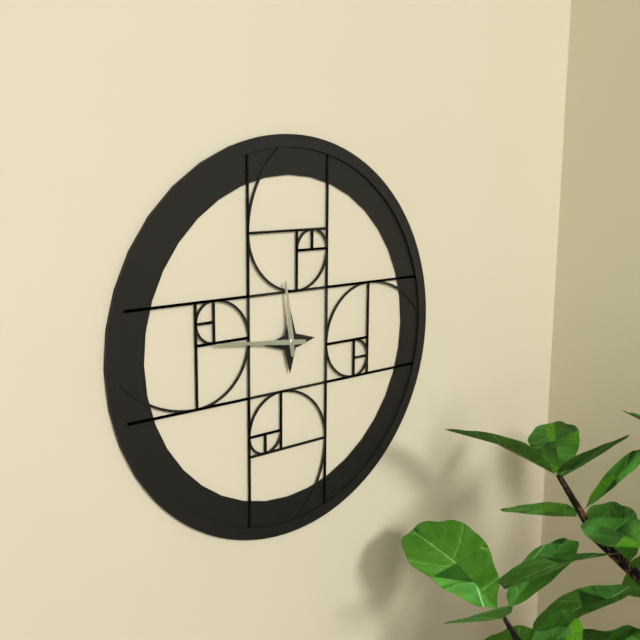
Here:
11,46
